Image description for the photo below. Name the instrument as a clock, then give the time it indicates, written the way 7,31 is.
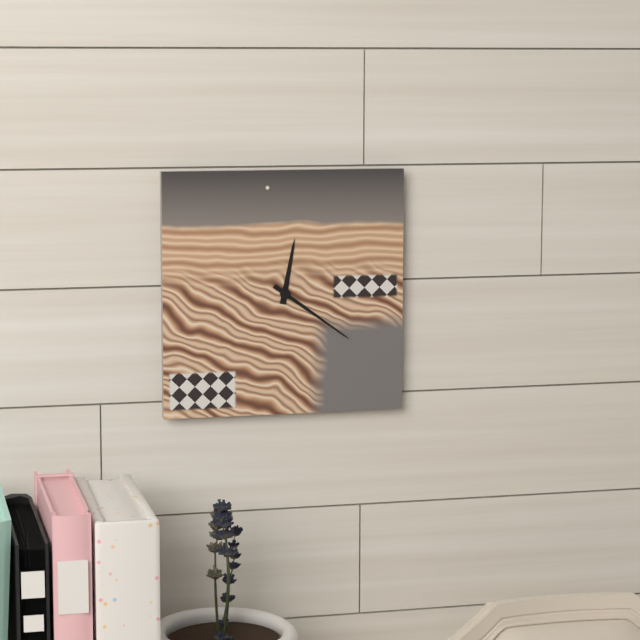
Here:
12,21
